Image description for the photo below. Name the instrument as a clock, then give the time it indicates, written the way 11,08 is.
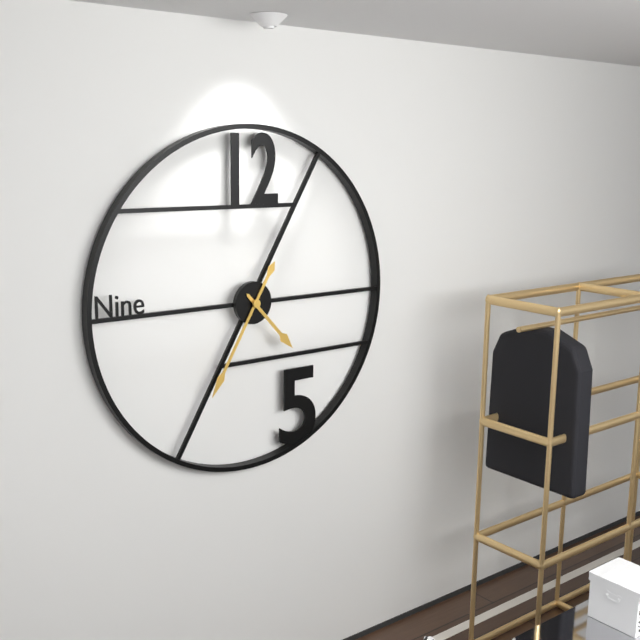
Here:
4,35
